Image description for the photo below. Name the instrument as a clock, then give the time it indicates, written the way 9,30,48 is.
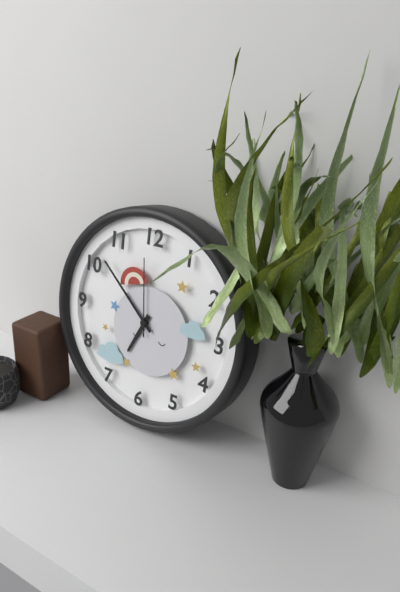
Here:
6,52,59
